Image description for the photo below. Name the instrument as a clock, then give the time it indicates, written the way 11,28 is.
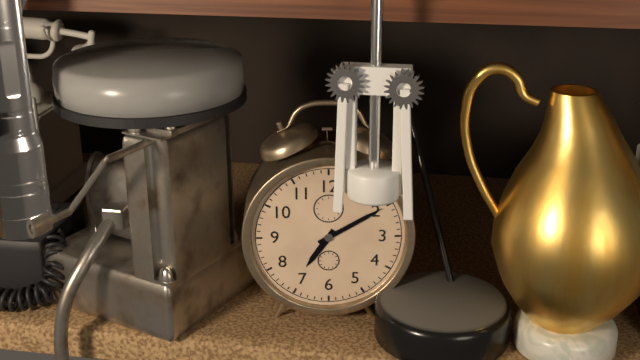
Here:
7,10
